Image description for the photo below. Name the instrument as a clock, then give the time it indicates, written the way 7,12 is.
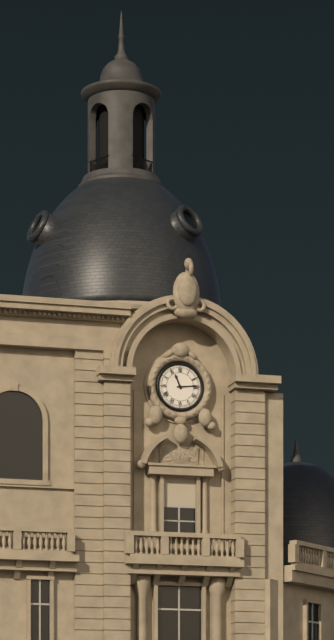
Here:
11,14
